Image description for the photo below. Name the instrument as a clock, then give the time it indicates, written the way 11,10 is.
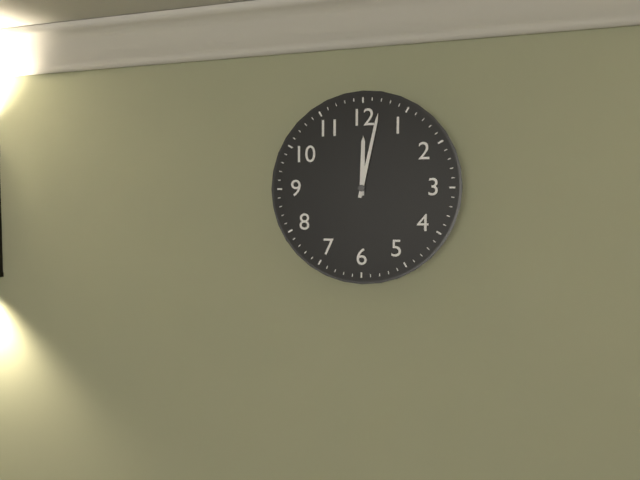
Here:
12,02
